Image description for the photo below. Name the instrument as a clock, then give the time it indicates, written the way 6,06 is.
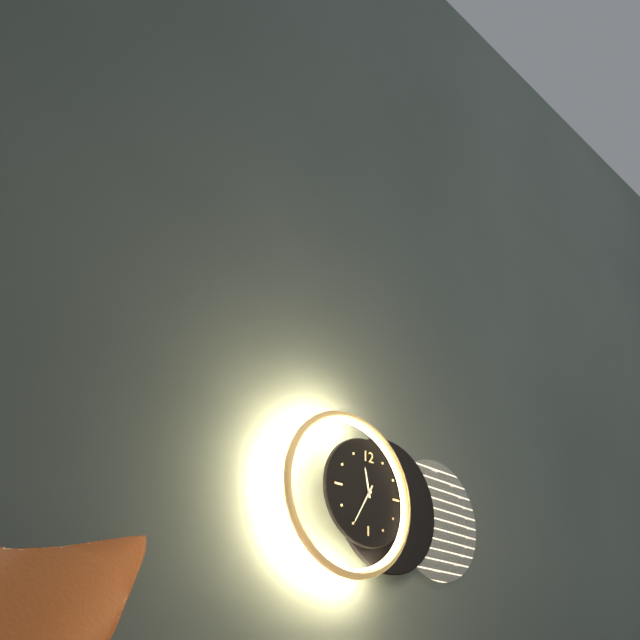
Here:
11,35
